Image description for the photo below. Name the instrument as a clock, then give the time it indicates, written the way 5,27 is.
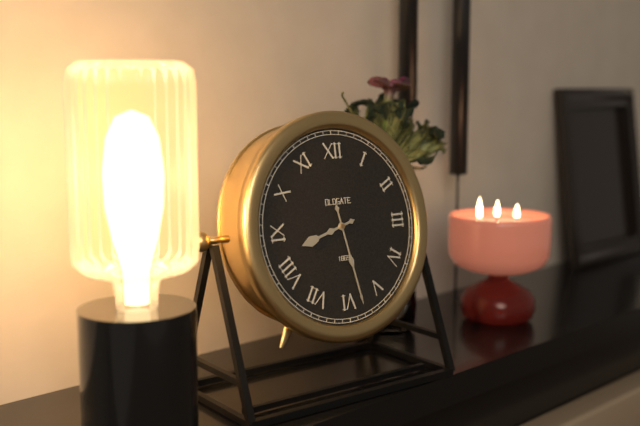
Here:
8,28
